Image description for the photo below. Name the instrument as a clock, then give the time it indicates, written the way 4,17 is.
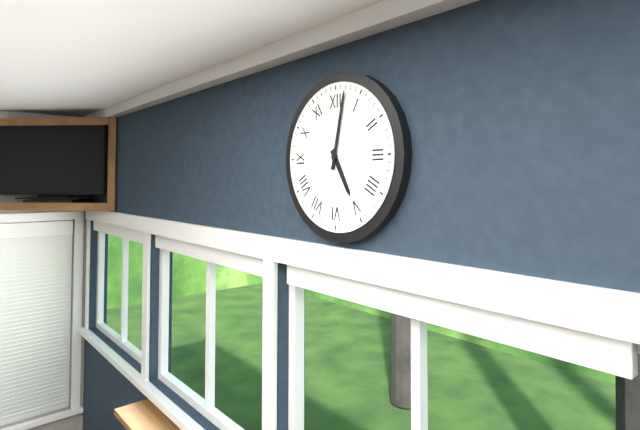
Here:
5,02
